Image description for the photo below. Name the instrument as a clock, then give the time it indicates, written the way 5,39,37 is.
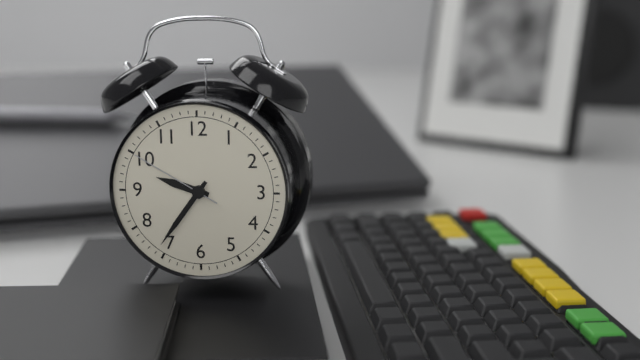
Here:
9,36,50
